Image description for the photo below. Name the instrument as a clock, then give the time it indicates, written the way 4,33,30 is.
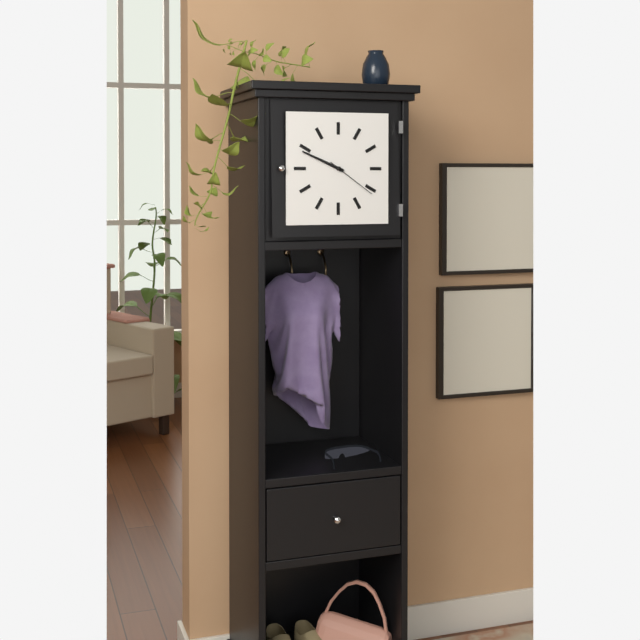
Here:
9,49,21
